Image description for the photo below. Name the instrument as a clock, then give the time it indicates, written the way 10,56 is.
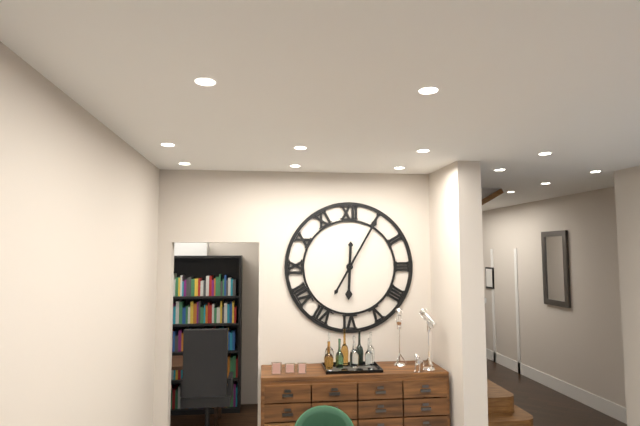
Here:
6,05
